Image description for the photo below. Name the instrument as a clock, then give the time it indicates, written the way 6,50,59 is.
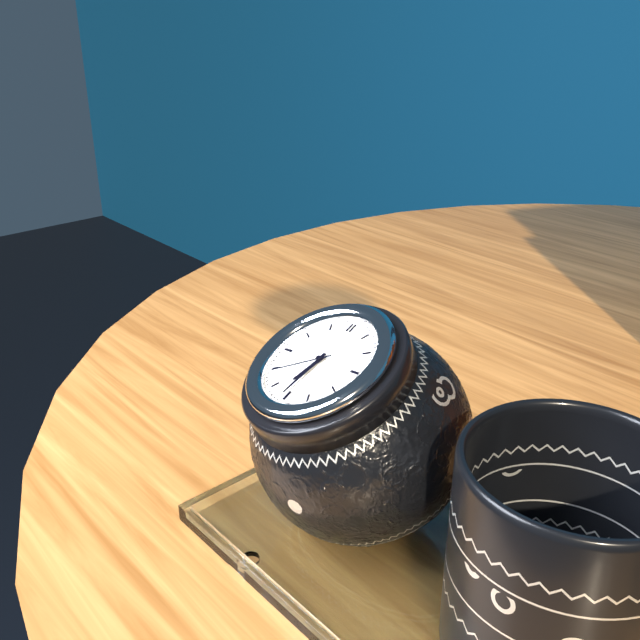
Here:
6,31,39
